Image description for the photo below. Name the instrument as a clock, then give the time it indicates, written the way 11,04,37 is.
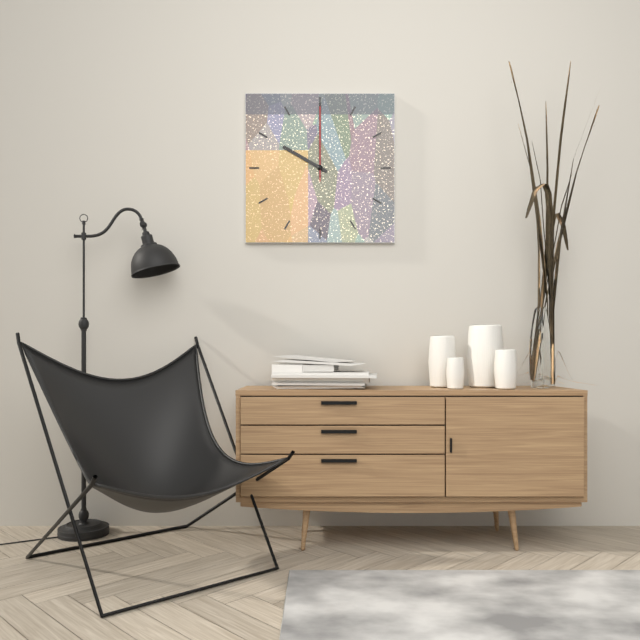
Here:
10,00,00
